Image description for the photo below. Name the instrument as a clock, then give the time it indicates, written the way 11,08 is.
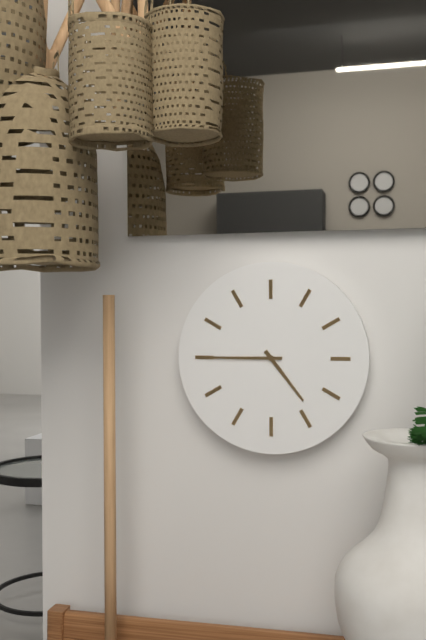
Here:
4,45
